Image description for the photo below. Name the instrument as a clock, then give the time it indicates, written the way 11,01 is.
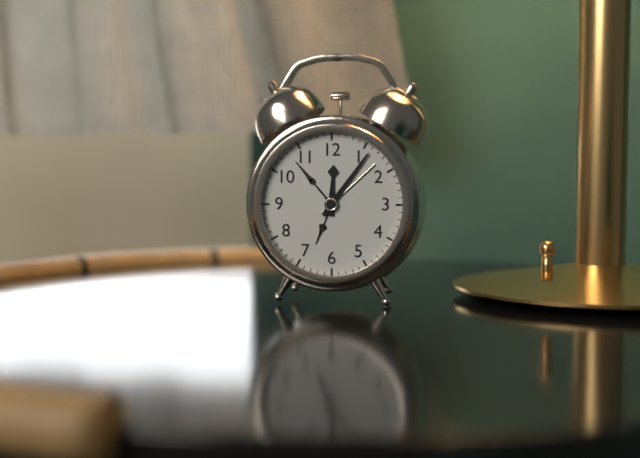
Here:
12,06
